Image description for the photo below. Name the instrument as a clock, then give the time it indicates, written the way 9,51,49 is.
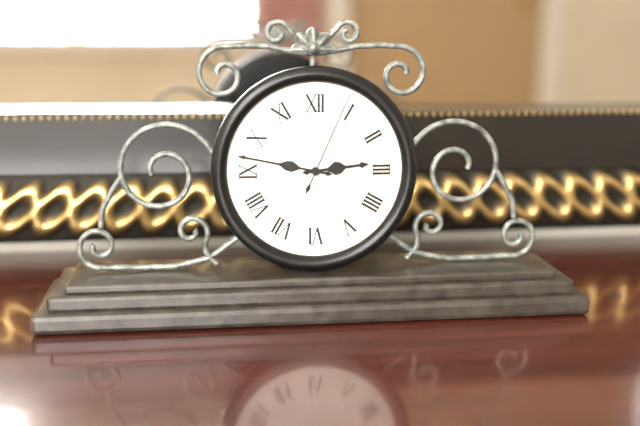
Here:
2,47,04
